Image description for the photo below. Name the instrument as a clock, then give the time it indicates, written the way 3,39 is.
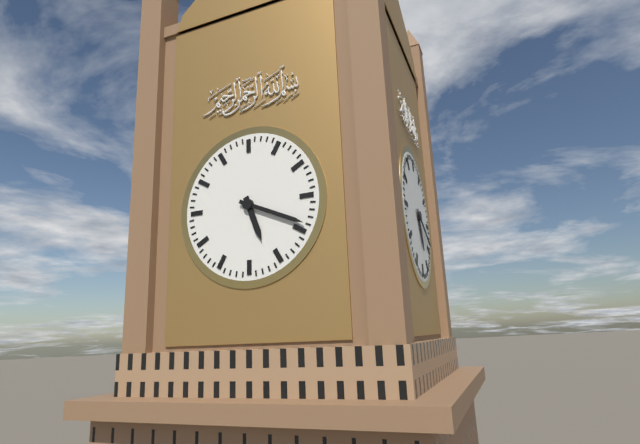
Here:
5,19
